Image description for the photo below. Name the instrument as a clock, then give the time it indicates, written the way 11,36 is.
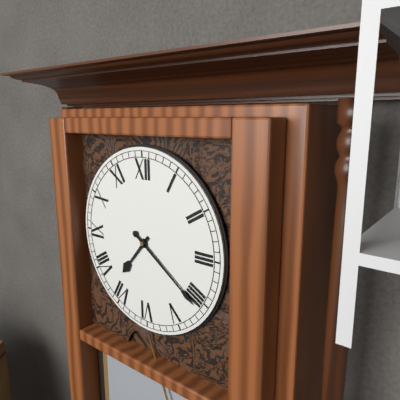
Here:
7,21
